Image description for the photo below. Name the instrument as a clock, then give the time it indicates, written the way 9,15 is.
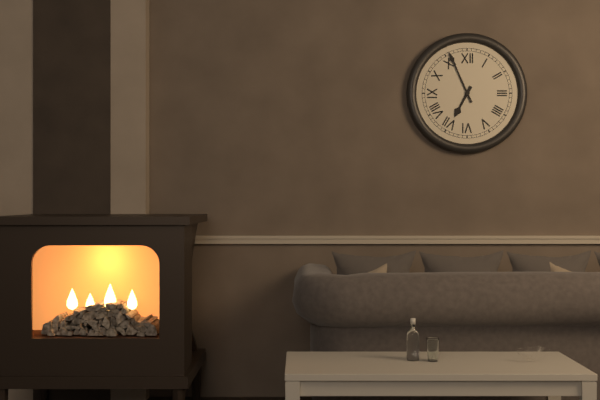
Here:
6,56
